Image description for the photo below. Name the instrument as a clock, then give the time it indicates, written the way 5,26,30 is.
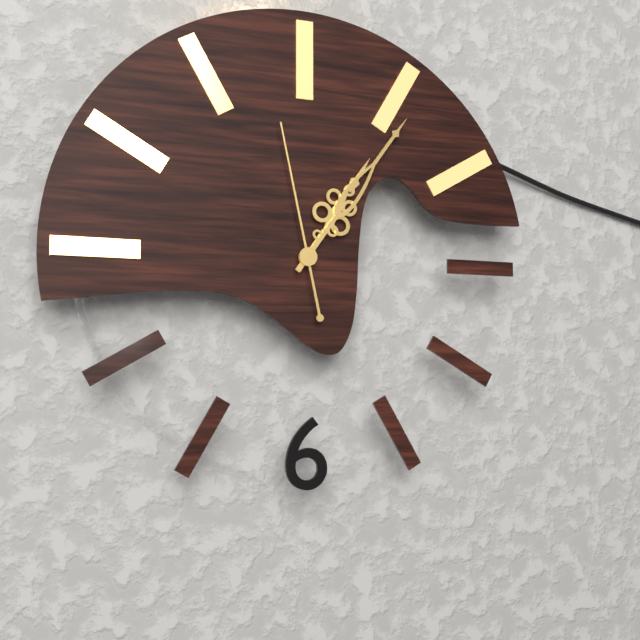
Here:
1,06,58
